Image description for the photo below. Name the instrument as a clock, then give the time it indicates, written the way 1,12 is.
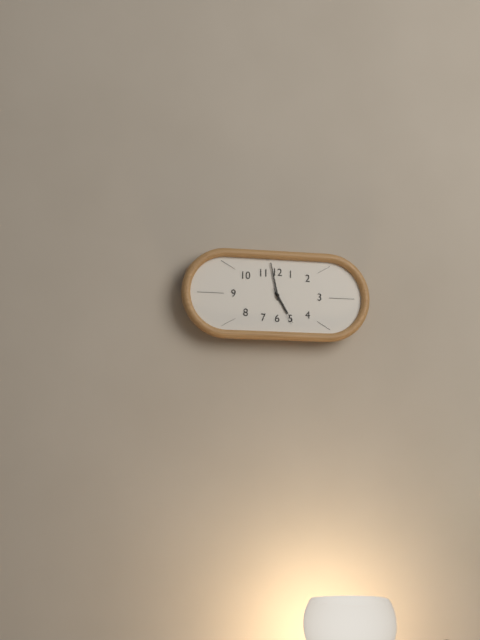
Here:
4,58
